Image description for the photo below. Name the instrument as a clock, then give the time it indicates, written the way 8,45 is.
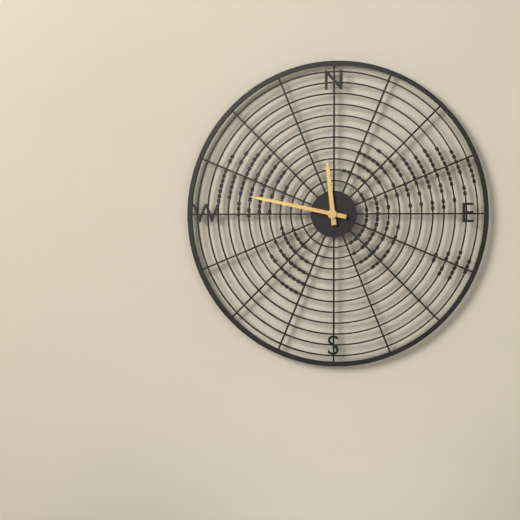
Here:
11,47
